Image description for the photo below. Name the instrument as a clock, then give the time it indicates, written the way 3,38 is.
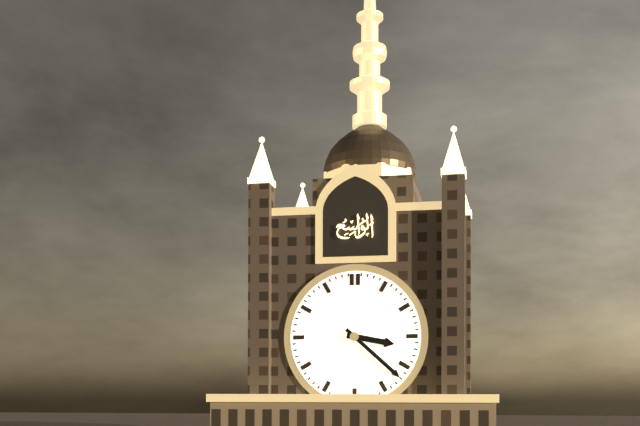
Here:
3,22
